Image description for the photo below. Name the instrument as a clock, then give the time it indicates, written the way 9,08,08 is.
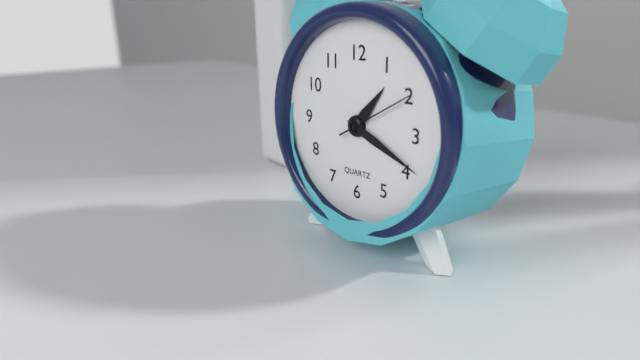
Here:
1,19,10
